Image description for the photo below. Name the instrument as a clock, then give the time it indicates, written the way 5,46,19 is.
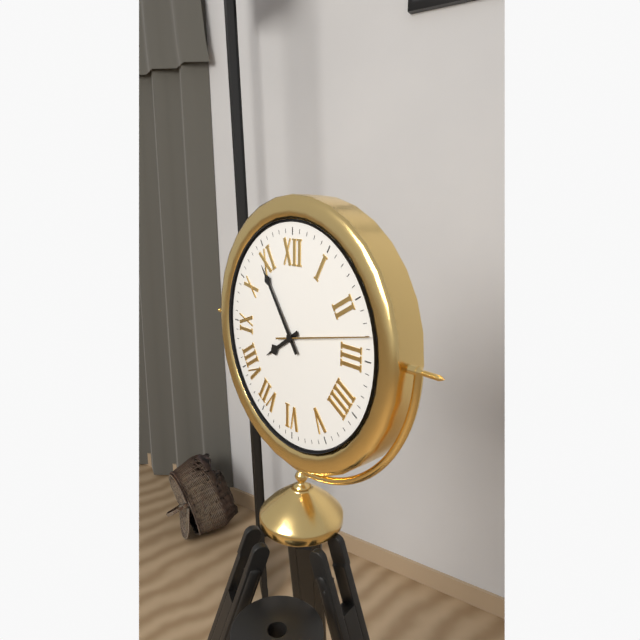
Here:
7,54,13
